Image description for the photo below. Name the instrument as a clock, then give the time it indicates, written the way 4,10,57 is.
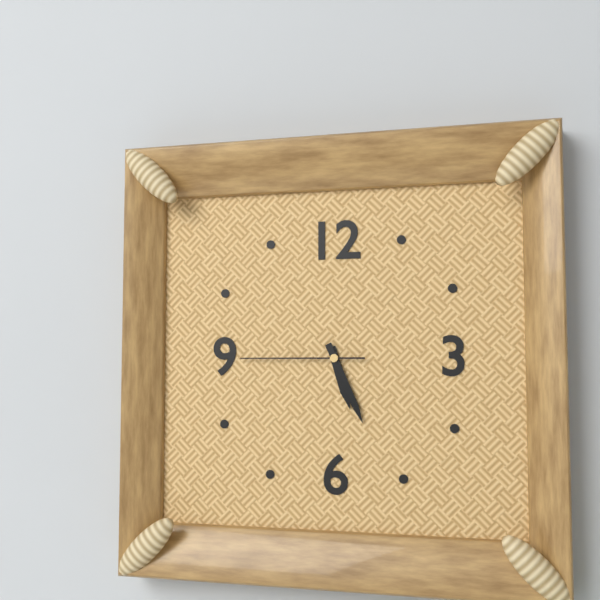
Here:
5,26,45
